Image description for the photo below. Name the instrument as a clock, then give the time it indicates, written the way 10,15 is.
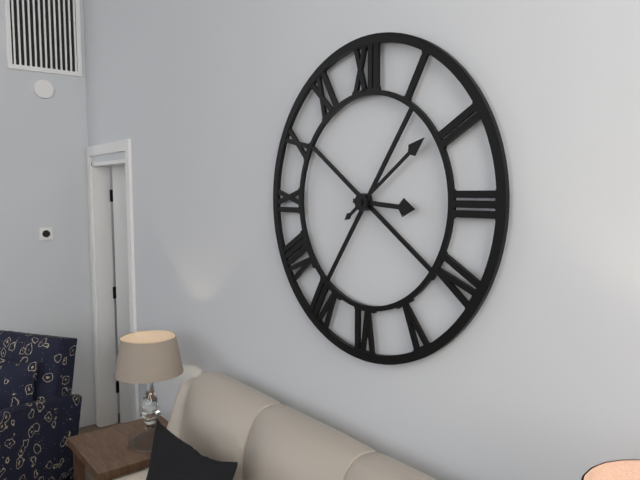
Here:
3,09
